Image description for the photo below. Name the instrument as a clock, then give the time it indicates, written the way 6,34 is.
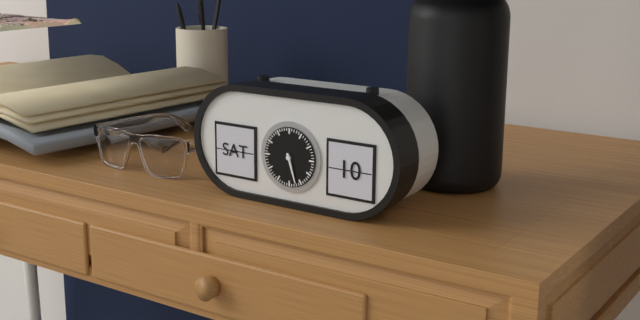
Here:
5,27
